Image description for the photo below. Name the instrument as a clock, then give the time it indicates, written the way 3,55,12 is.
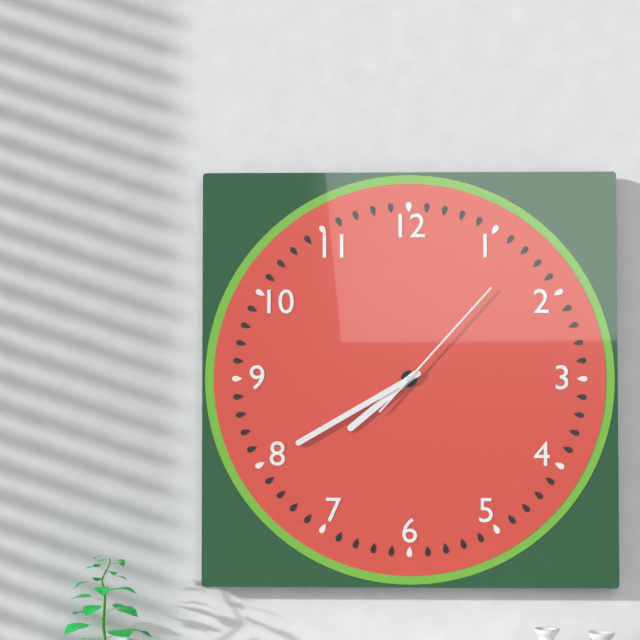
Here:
7,40,07
